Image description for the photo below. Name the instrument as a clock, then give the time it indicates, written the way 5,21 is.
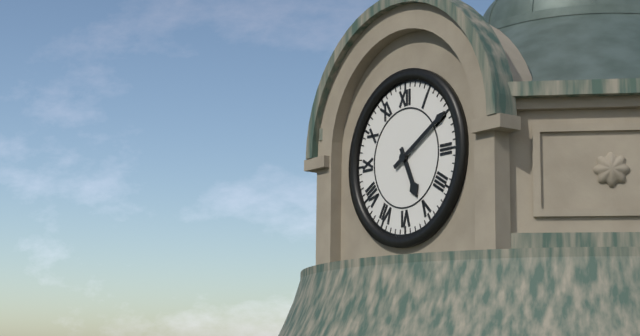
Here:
5,10
